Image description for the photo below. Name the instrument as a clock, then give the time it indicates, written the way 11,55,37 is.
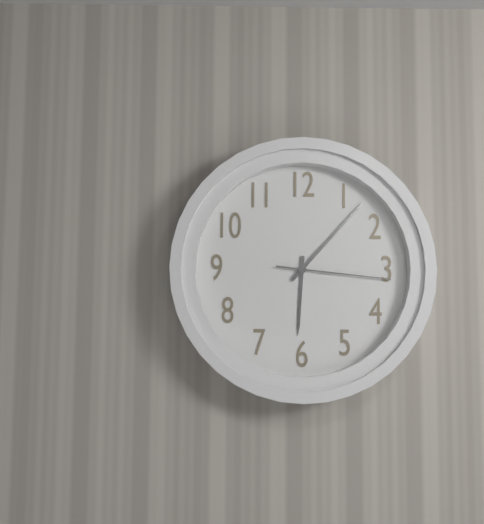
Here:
6,07,16
